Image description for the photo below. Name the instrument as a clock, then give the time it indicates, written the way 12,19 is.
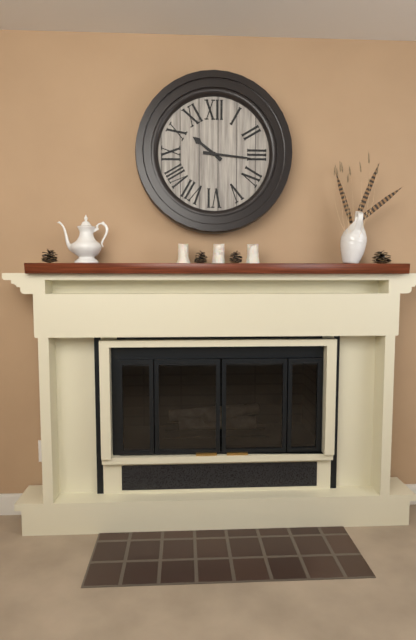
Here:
10,16
